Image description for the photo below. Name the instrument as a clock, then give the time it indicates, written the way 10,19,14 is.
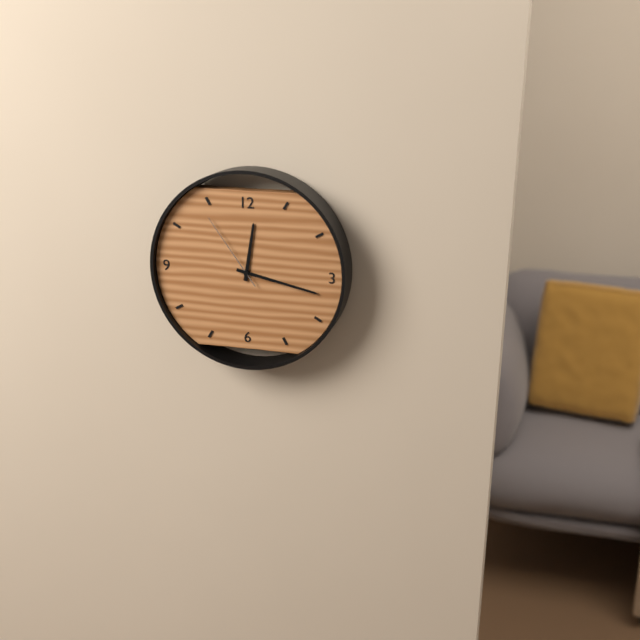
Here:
12,17,54
